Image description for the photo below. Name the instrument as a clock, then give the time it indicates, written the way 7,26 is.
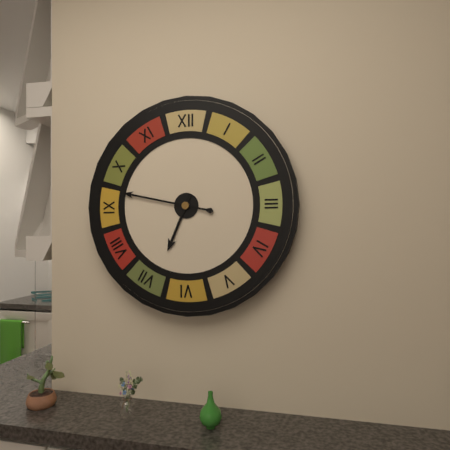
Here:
6,47
